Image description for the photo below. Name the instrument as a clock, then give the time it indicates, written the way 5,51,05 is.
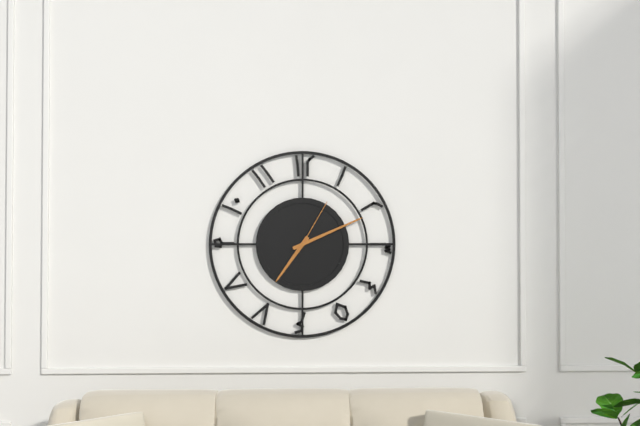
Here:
7,11,05
